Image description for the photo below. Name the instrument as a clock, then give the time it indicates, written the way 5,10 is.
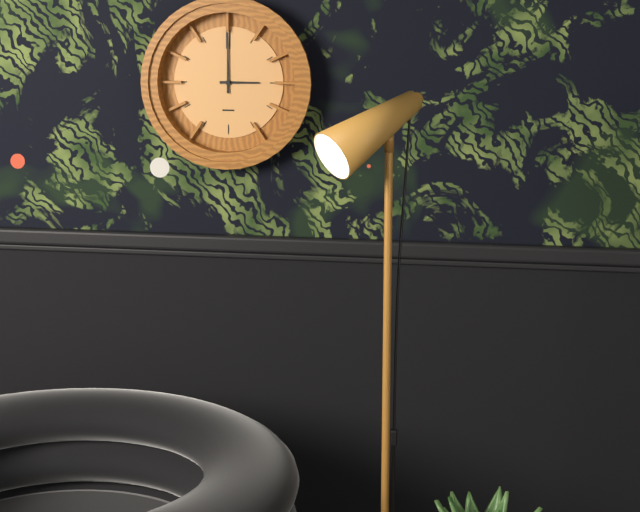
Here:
3,00
